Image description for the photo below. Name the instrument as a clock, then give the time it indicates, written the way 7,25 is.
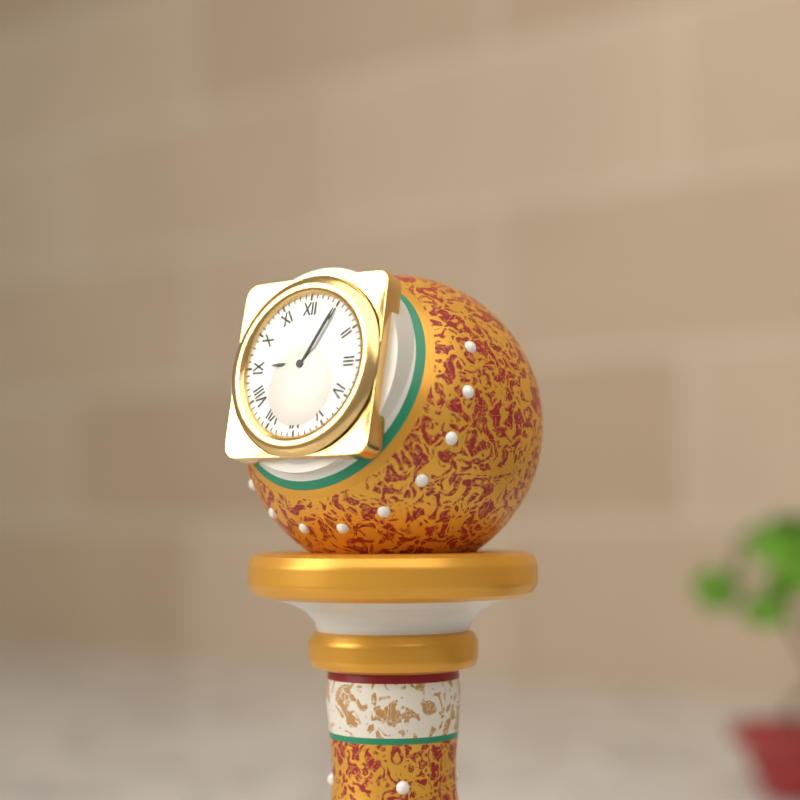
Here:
9,05
